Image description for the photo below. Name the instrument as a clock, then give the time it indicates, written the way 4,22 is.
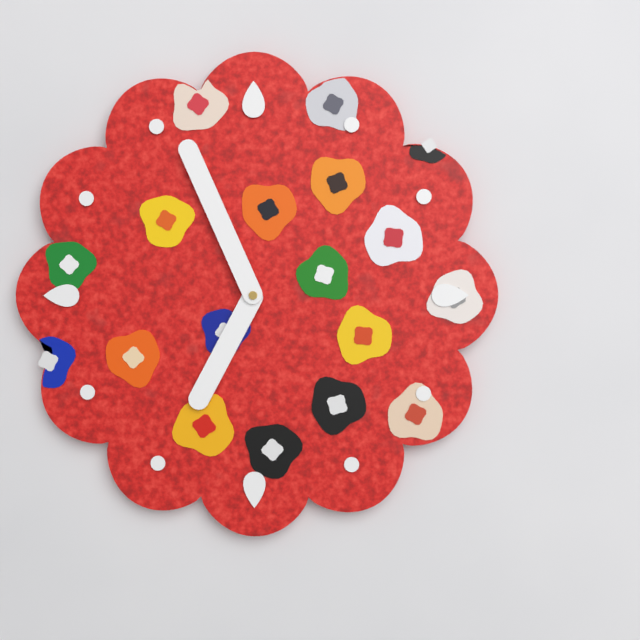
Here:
6,56
